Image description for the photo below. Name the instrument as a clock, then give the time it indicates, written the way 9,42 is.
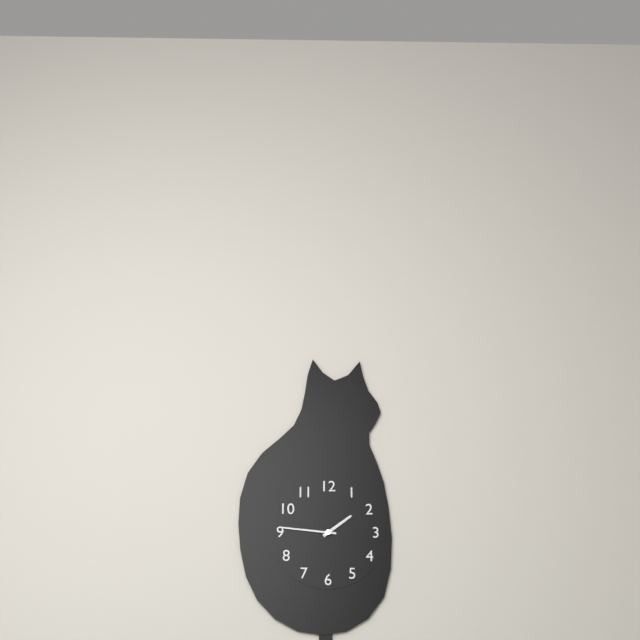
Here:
1,46
